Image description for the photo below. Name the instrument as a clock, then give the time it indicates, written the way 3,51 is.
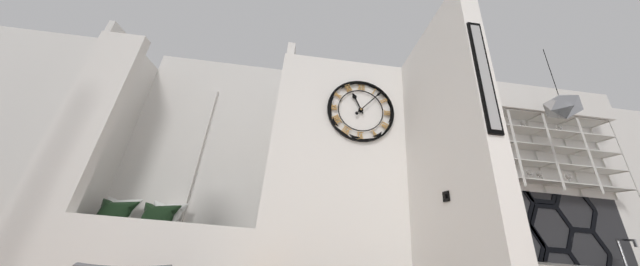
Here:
11,07
